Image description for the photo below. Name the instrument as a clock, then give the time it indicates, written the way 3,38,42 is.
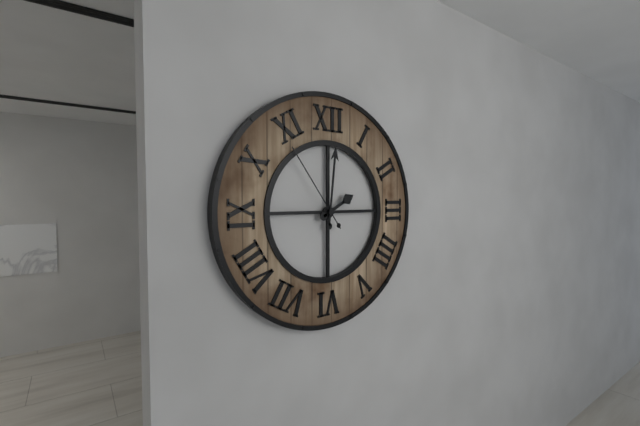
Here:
2,01,54
